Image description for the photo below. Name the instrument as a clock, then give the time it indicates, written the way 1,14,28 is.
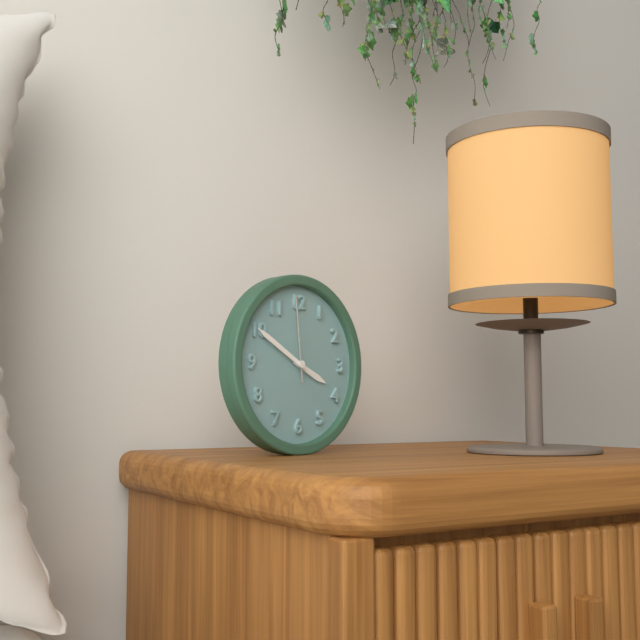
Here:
3,50,59
